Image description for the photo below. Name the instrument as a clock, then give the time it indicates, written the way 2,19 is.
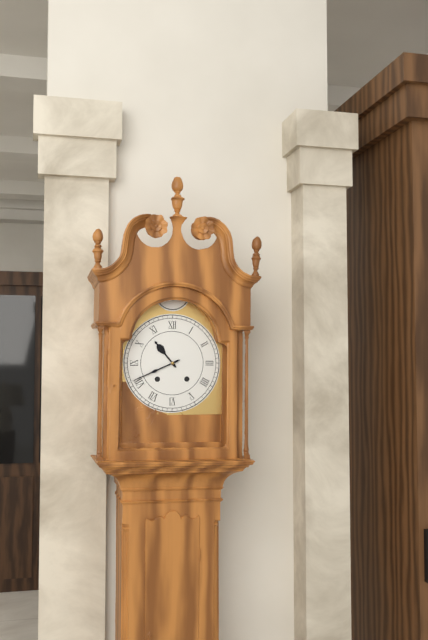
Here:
10,41
